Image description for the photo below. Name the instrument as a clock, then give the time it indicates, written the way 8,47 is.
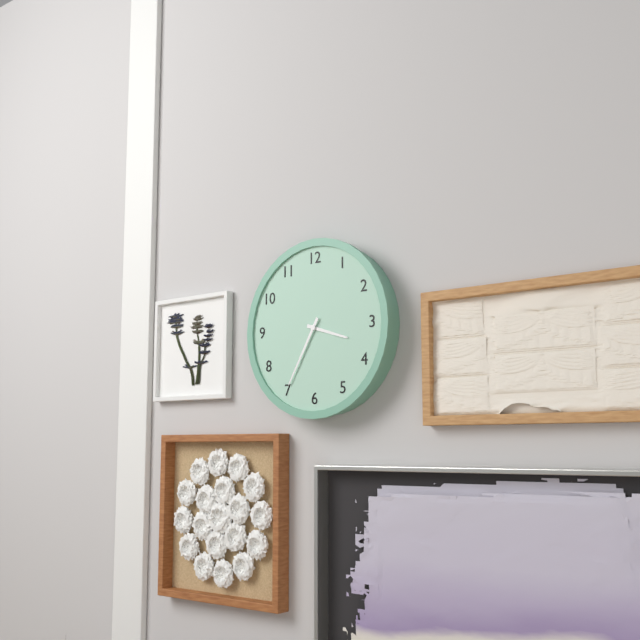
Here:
3,35
